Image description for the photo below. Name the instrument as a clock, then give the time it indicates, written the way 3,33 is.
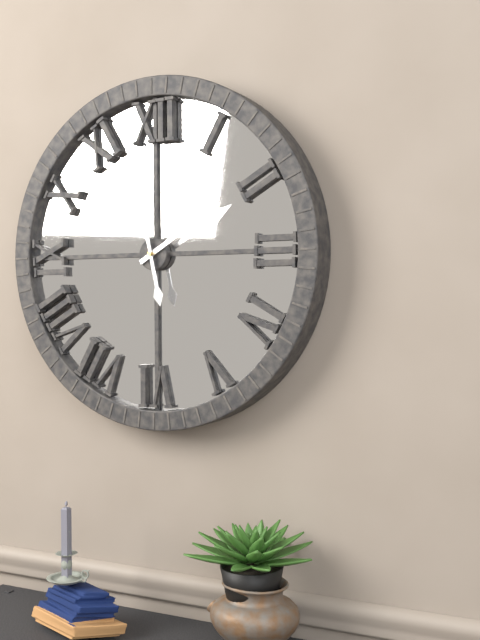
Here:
1,58
